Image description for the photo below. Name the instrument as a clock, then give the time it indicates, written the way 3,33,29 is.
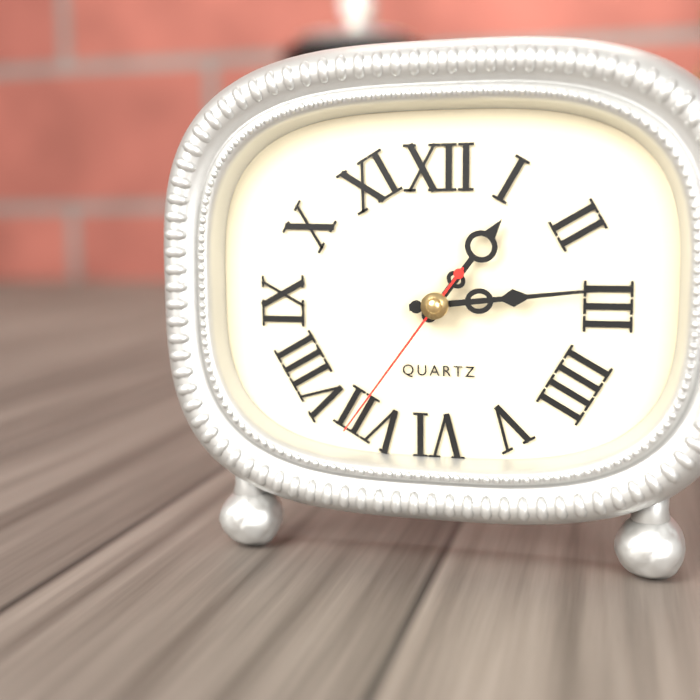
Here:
1,14,36
